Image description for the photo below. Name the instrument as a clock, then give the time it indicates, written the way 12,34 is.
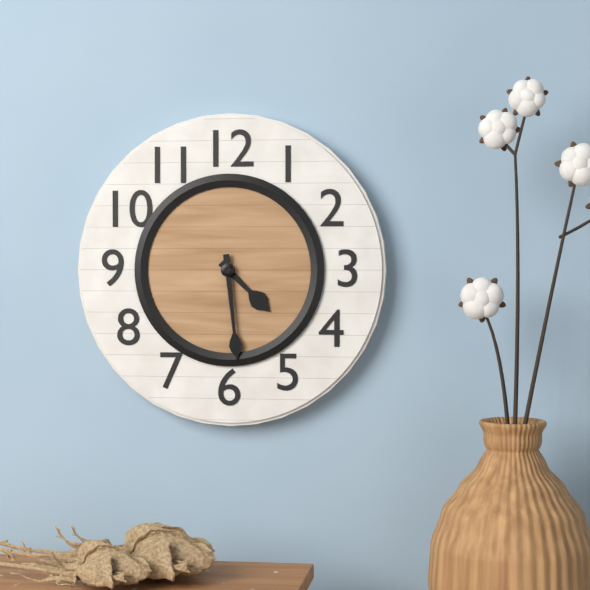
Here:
4,29
